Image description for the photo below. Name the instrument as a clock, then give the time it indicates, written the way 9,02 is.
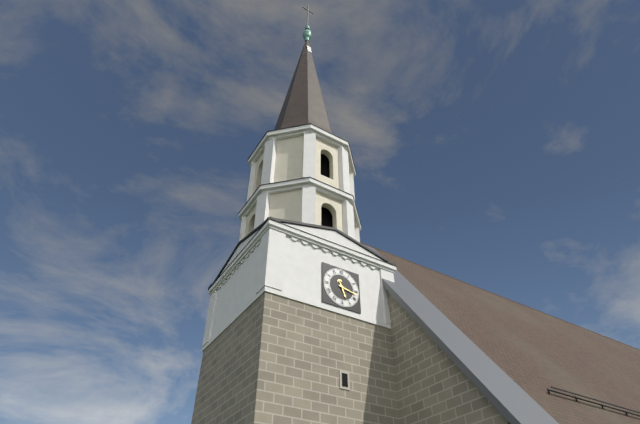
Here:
5,17
